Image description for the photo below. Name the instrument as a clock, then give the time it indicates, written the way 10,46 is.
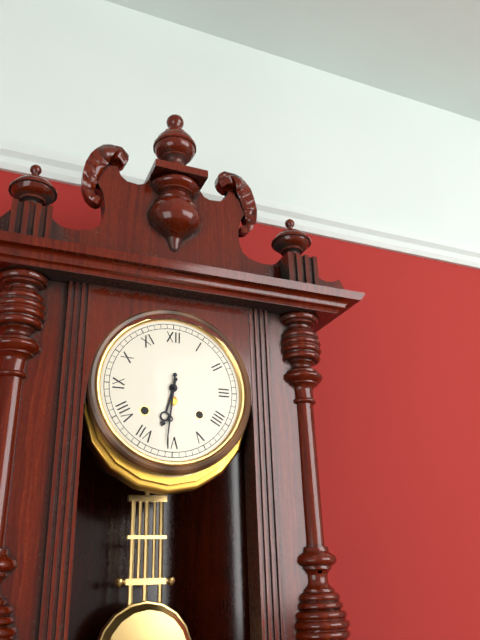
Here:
6,31
